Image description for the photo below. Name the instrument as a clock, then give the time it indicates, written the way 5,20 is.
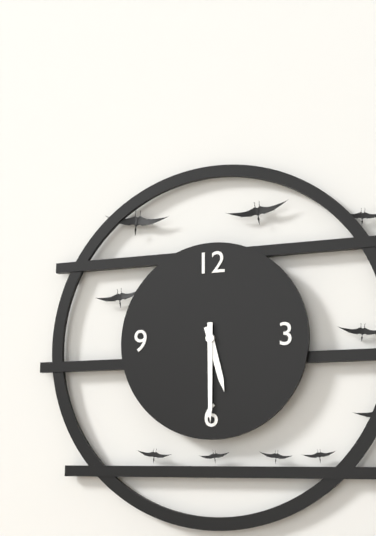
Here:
5,30
